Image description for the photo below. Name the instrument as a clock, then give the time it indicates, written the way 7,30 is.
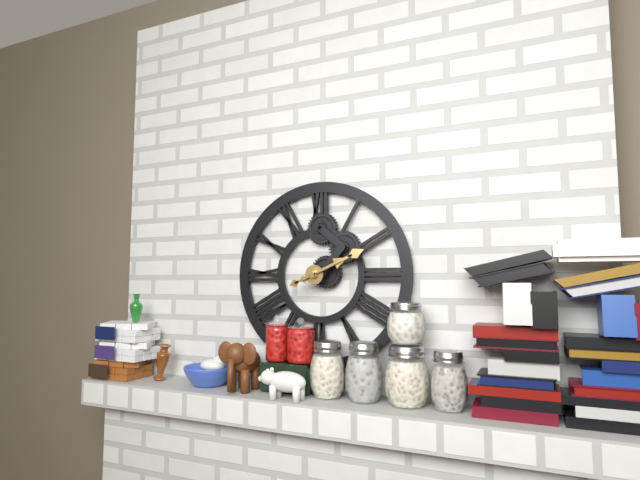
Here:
2,11
